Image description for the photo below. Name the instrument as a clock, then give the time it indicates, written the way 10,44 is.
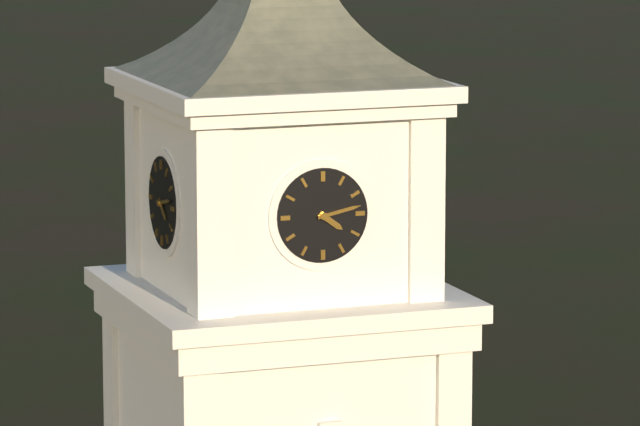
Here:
4,13
